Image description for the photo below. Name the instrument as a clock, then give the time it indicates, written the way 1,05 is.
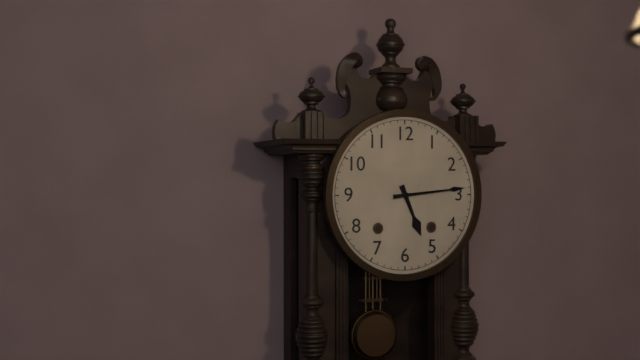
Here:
5,14
